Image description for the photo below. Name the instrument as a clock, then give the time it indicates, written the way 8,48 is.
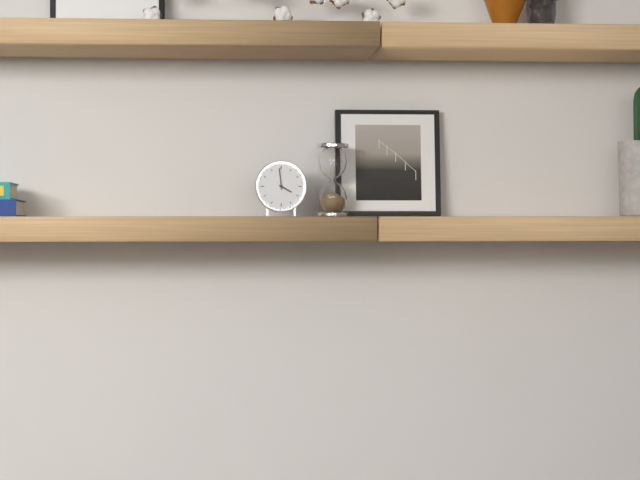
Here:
3,59
